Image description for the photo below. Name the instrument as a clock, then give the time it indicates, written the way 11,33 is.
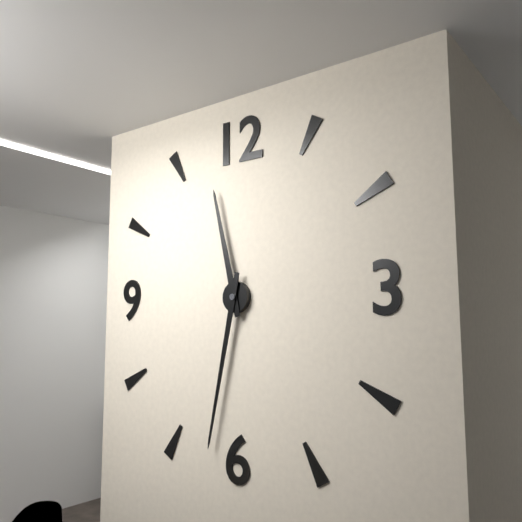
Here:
11,32
